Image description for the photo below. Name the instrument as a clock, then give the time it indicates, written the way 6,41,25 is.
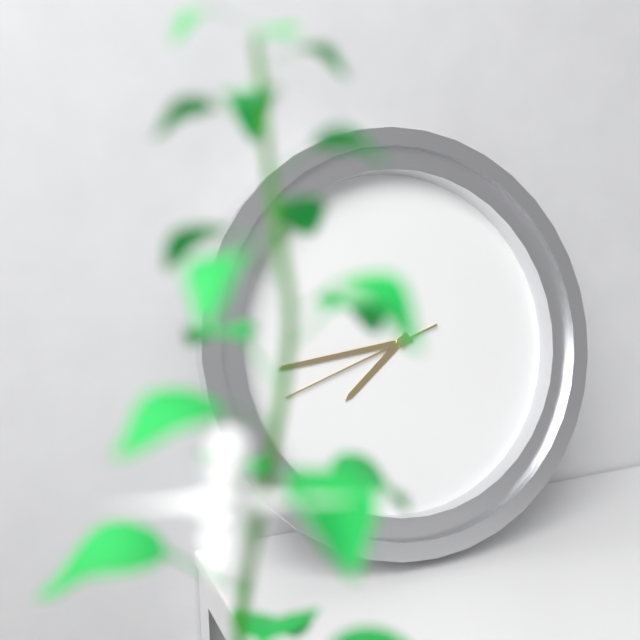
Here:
7,44,42
